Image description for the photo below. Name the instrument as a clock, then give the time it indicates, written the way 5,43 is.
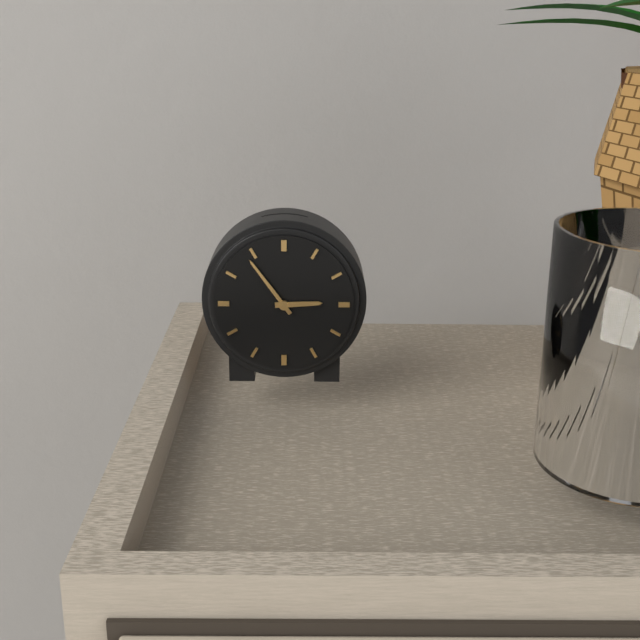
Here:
2,54
